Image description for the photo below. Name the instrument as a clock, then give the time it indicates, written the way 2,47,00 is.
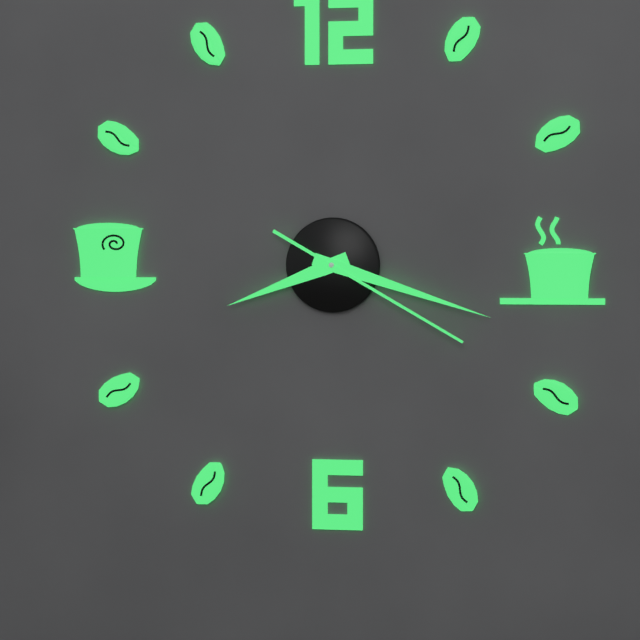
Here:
8,18,20
